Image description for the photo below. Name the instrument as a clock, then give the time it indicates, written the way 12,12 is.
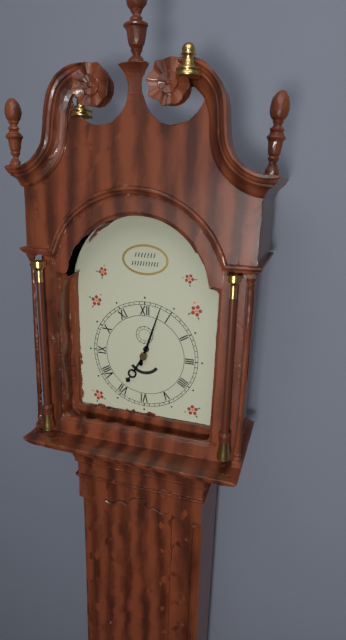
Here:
7,03
